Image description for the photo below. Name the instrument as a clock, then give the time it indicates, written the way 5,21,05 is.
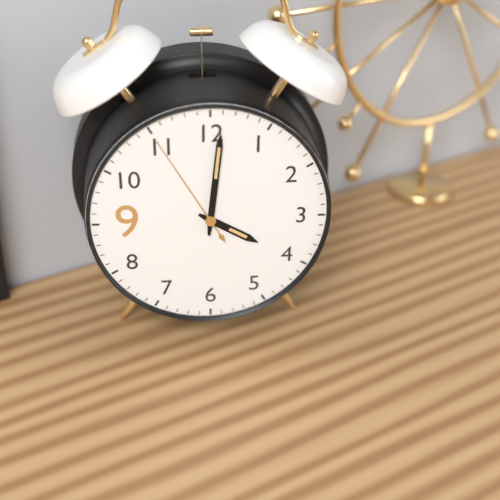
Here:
4,01,55
